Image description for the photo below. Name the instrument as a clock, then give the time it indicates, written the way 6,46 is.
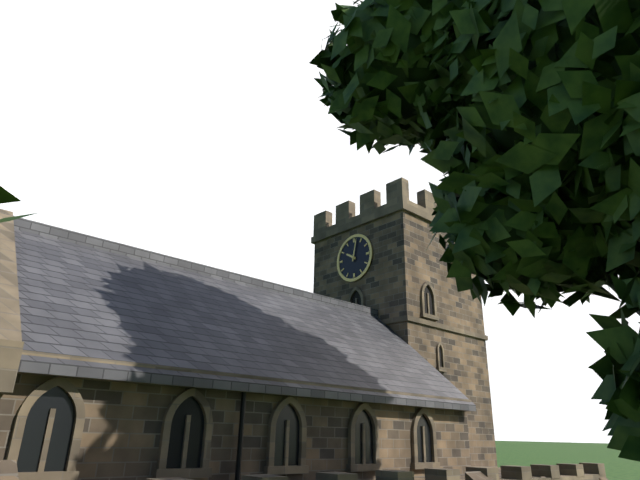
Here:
10,02
